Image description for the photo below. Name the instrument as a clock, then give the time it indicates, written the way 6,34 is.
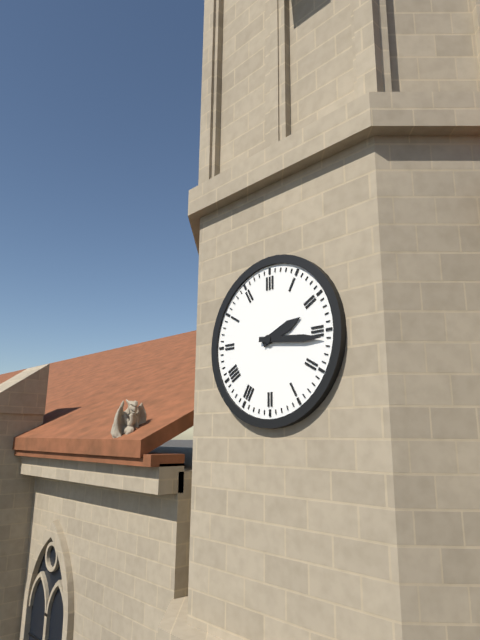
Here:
2,16
